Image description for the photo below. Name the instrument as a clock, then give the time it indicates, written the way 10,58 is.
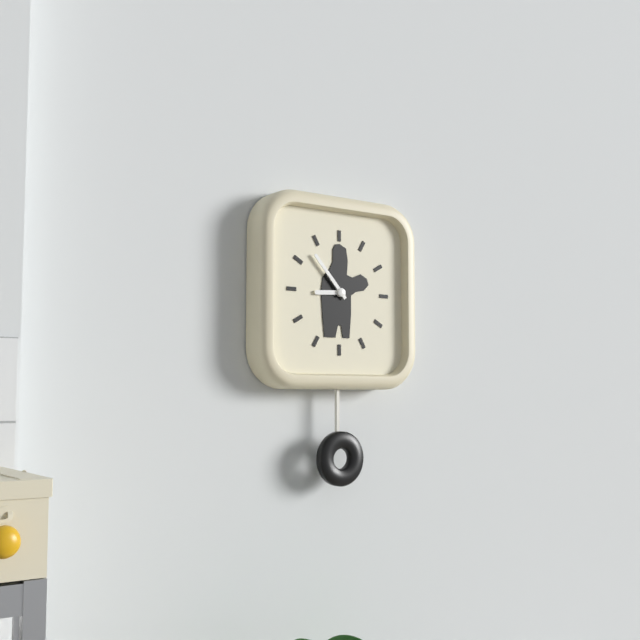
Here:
8,53
